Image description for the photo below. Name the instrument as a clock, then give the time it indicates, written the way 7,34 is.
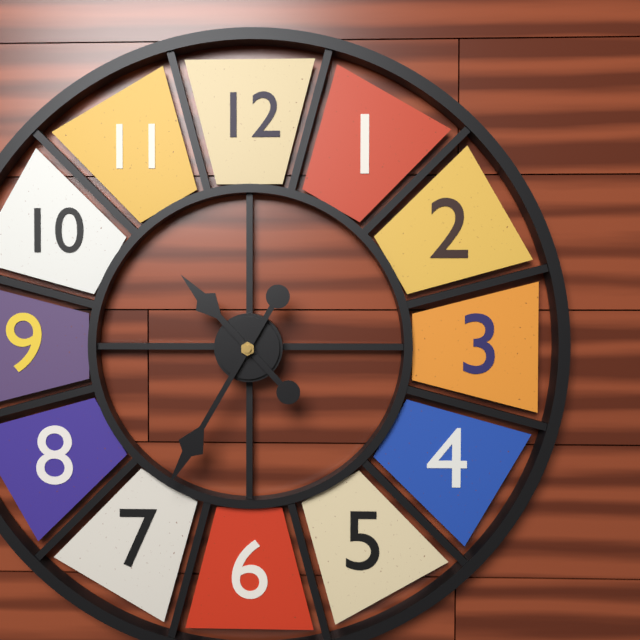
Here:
10,35
